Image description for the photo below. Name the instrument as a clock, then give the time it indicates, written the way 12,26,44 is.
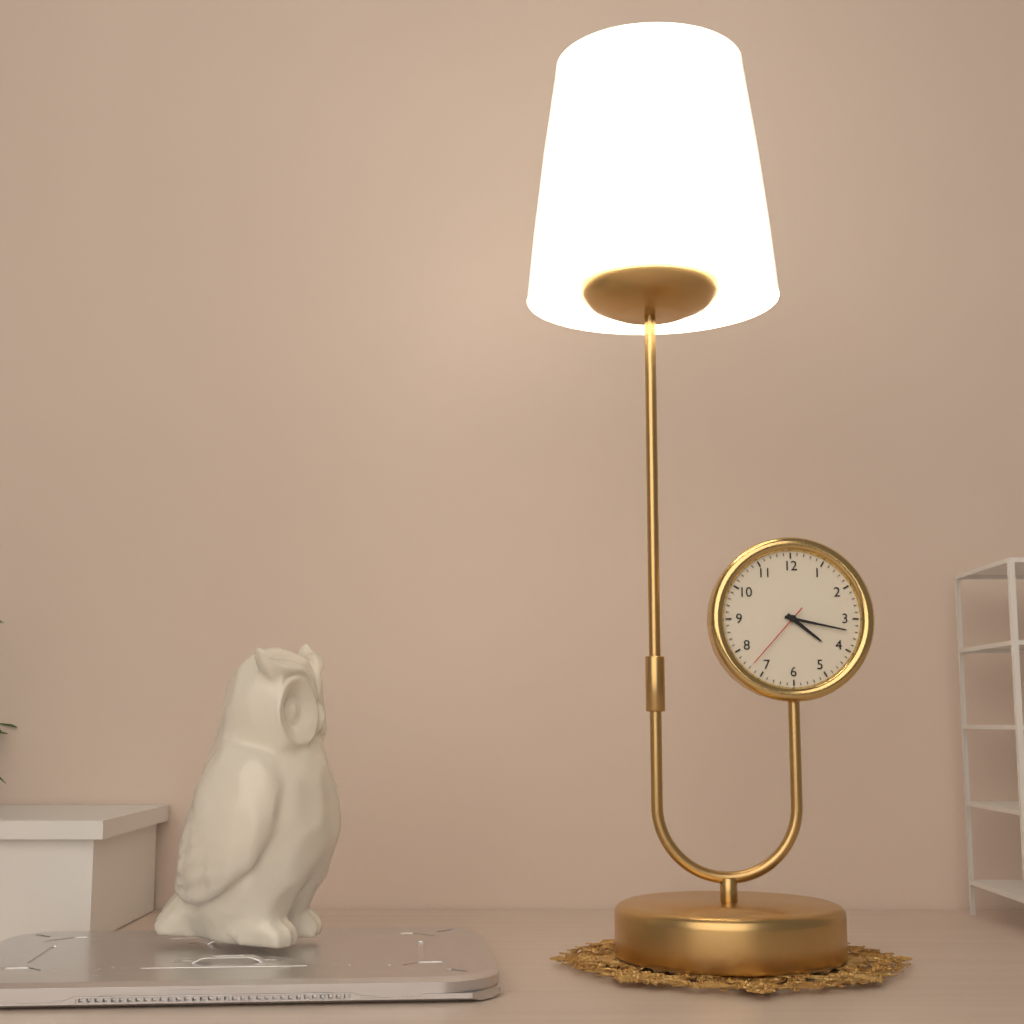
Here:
4,17,37
